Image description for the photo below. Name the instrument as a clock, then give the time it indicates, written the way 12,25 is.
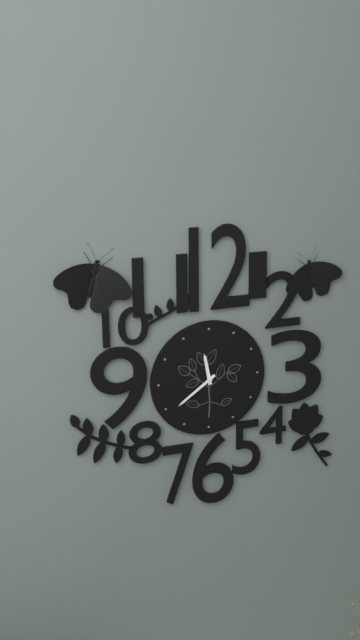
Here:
11,39
